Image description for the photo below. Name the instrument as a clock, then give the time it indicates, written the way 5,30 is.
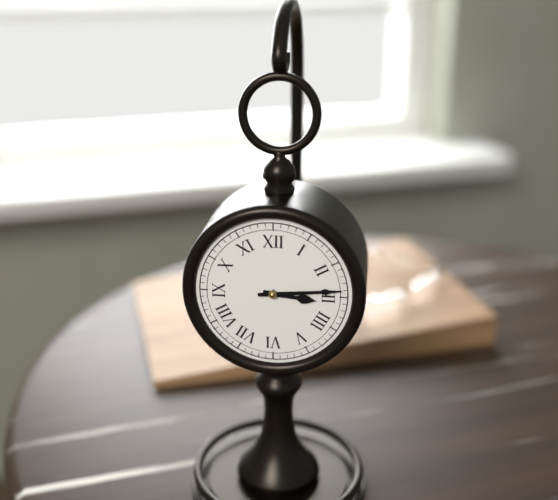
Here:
3,14
